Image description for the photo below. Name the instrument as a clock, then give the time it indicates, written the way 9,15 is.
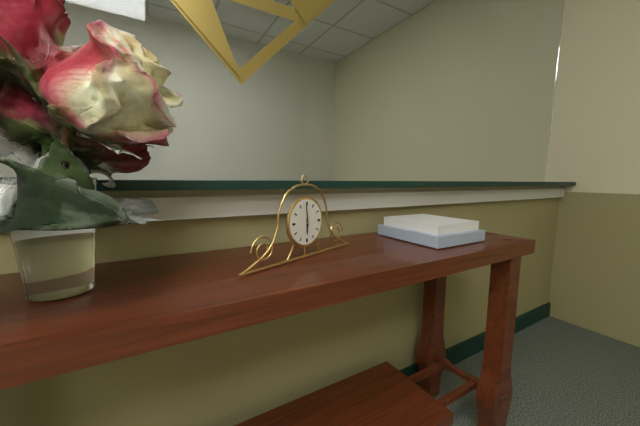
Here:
5,59
